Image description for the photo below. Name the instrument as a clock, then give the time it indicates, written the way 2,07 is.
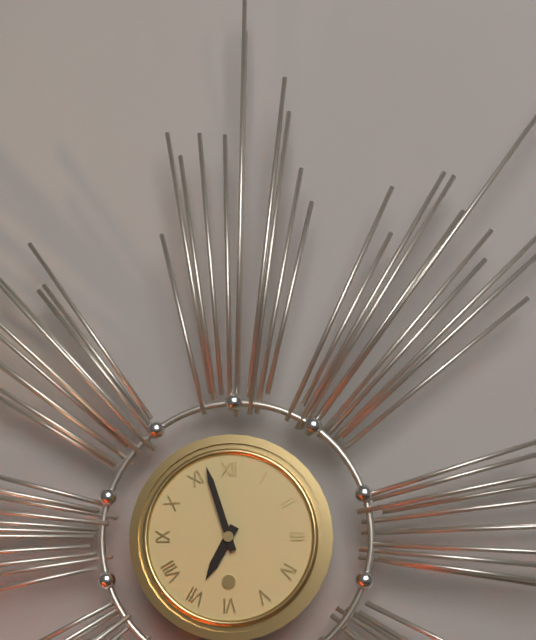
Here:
6,57
